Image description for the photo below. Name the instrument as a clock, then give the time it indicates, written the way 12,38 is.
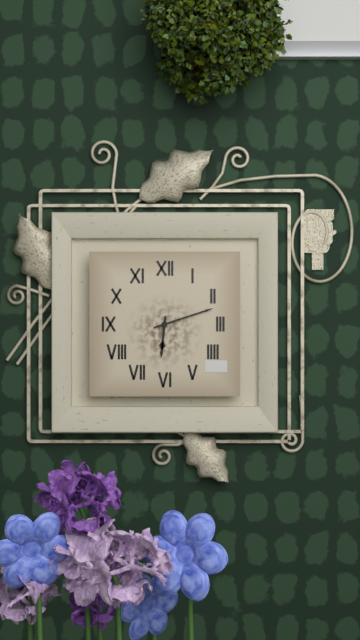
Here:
6,12
